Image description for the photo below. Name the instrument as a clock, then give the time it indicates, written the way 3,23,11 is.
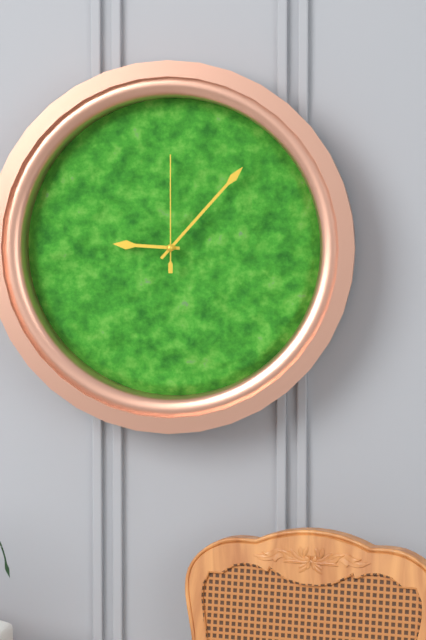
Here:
9,07,00
